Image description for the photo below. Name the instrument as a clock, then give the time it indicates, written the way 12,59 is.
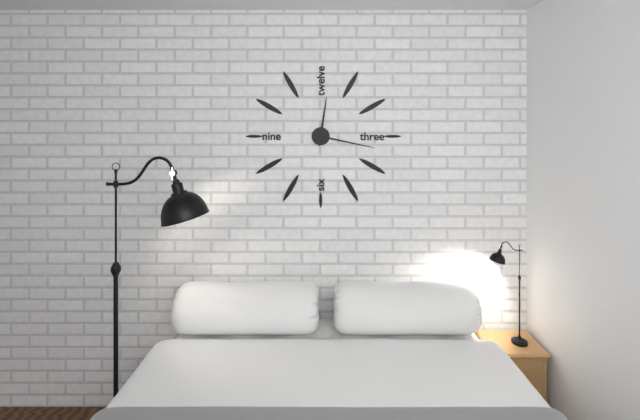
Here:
12,17
